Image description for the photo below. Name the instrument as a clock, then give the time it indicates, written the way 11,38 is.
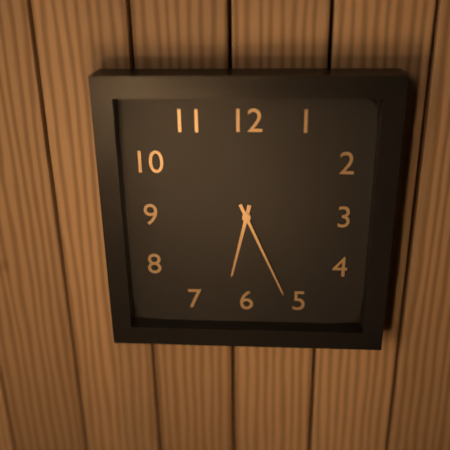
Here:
6,26
